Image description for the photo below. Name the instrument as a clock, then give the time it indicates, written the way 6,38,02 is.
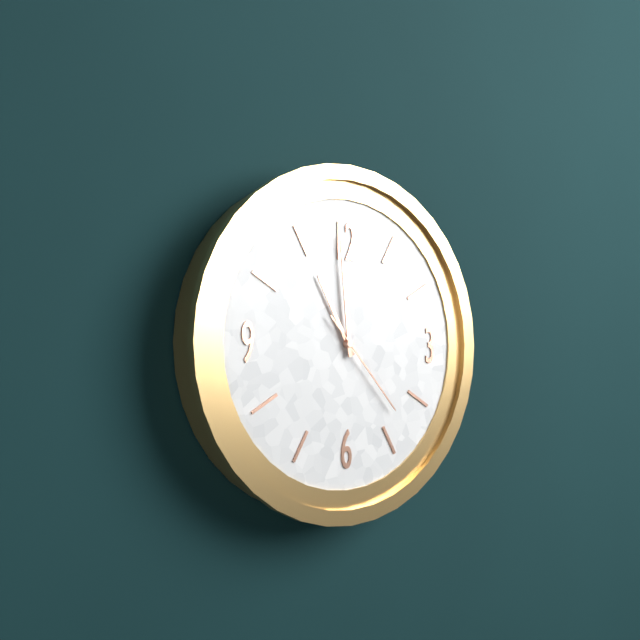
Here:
10,59,23
